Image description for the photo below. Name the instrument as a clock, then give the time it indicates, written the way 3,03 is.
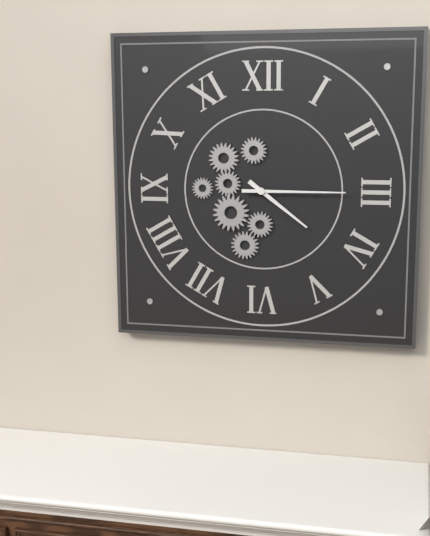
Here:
4,15
